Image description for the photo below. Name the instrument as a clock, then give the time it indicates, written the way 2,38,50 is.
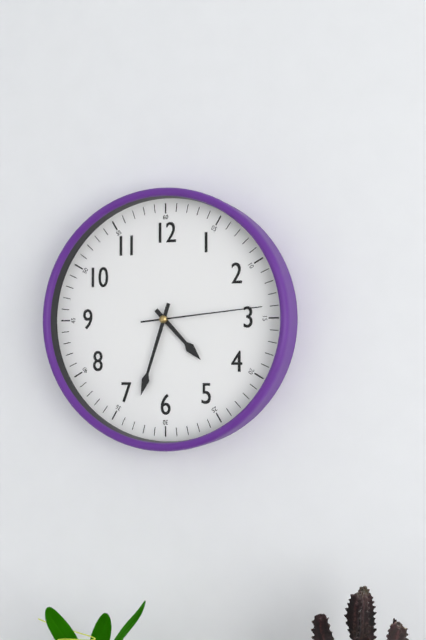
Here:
4,33,14
